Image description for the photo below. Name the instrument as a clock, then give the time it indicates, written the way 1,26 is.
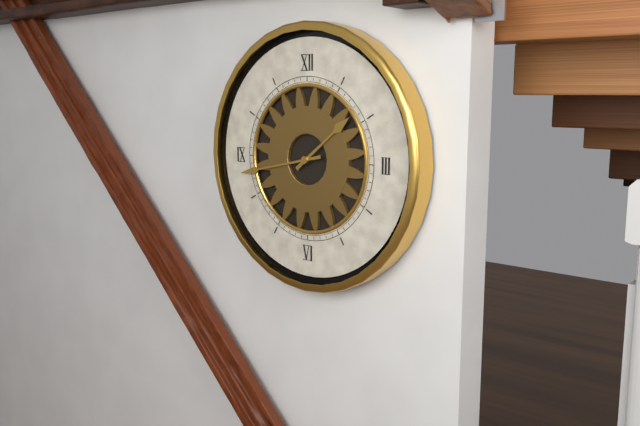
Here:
1,43
